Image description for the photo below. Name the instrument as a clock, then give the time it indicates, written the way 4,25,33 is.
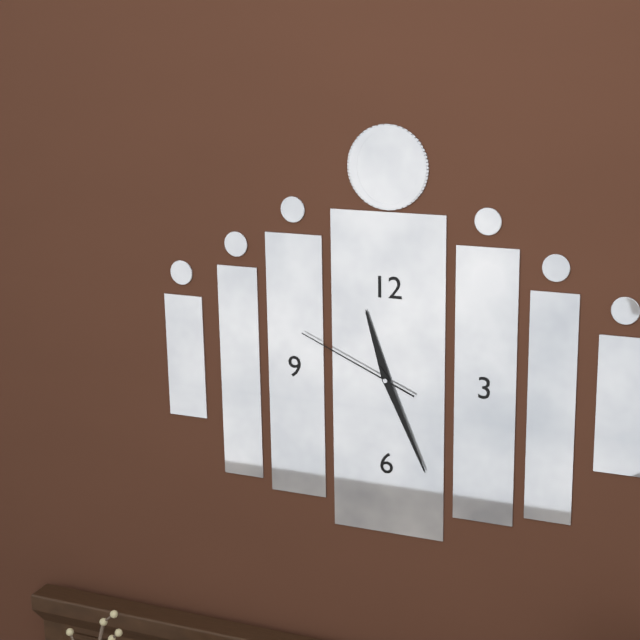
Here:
11,26,49
